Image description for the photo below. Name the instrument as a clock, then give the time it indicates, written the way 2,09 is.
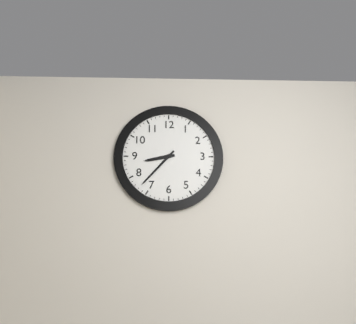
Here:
8,37
